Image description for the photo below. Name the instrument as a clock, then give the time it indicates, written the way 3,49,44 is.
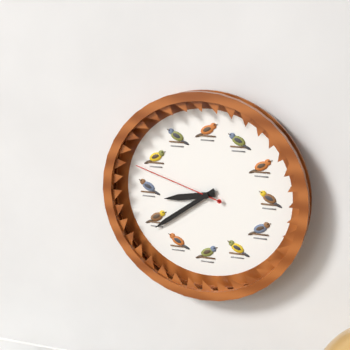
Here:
8,39,48
